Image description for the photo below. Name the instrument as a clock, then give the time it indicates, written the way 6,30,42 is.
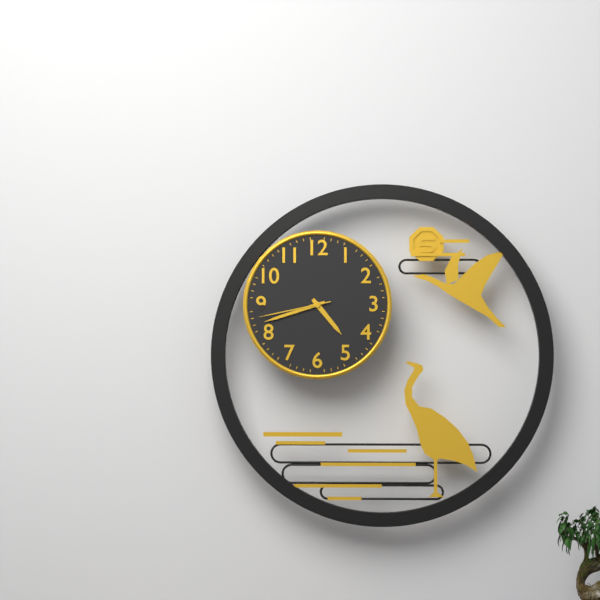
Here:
4,42,43
